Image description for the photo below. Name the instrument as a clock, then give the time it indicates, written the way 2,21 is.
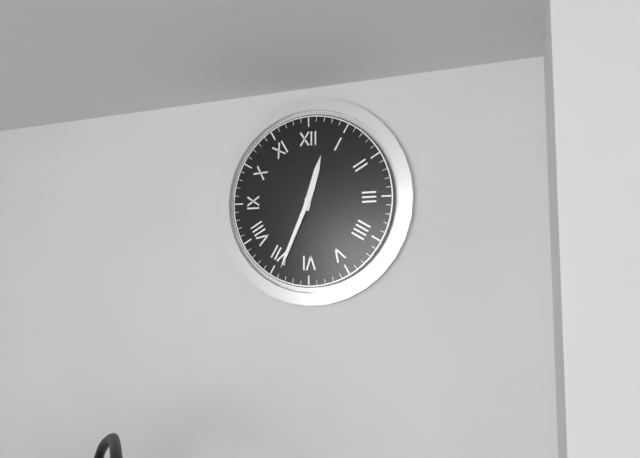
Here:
12,34
